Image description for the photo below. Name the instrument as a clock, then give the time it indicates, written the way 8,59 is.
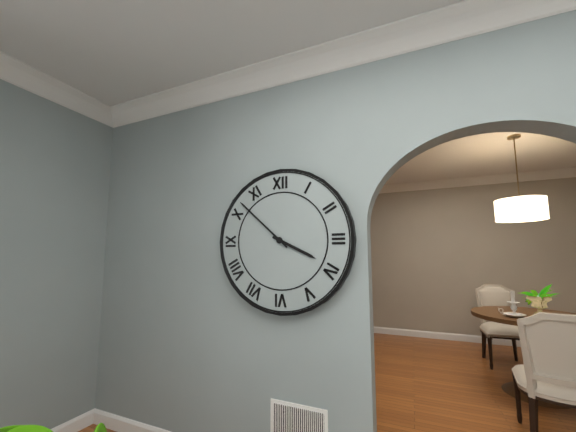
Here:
3,52
